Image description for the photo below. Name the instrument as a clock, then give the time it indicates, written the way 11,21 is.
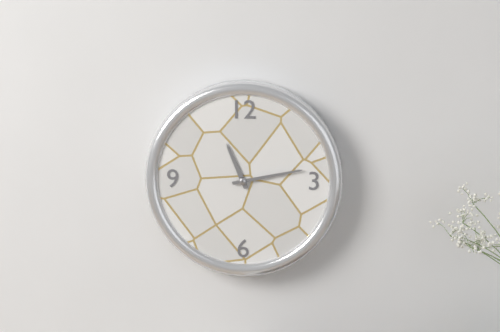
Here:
11,13
